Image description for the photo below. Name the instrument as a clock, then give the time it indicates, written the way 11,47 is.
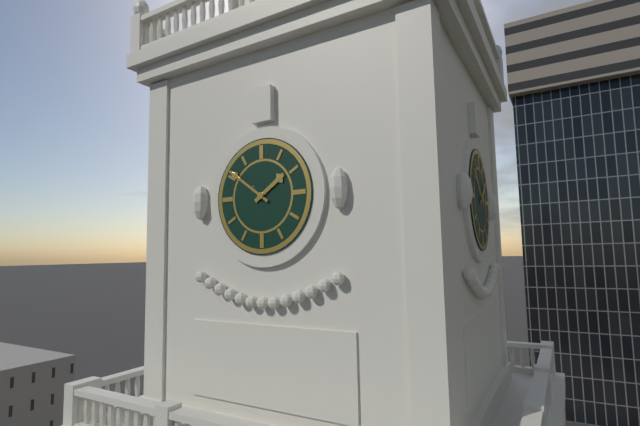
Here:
1,51
